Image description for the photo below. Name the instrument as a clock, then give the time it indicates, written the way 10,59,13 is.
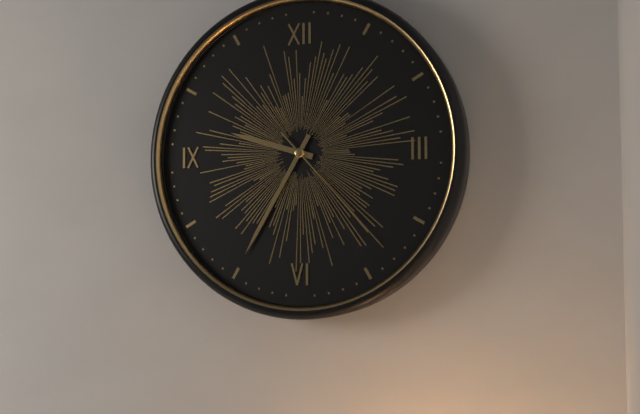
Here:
9,35,23
